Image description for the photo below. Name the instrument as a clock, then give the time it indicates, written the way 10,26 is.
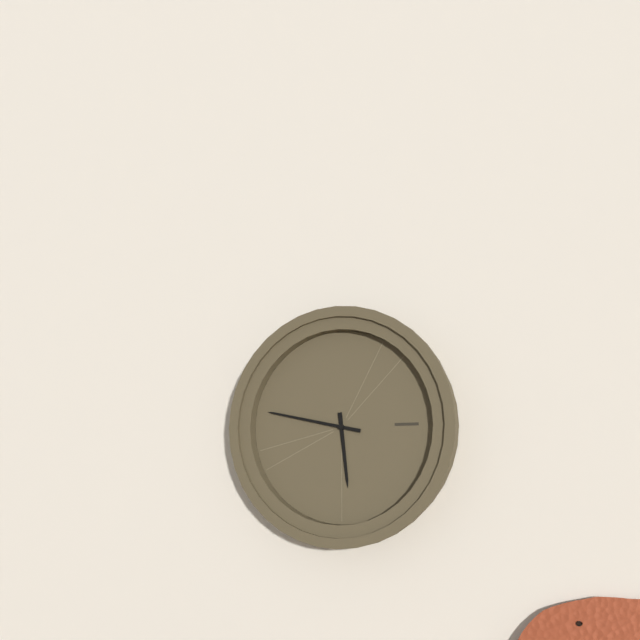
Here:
5,47
